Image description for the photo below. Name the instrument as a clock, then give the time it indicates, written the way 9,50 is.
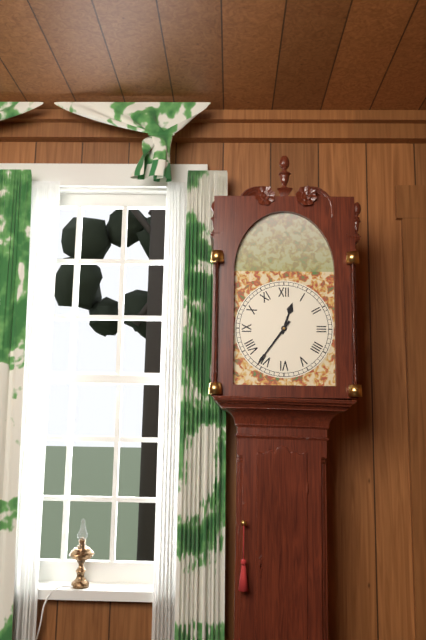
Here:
12,36
